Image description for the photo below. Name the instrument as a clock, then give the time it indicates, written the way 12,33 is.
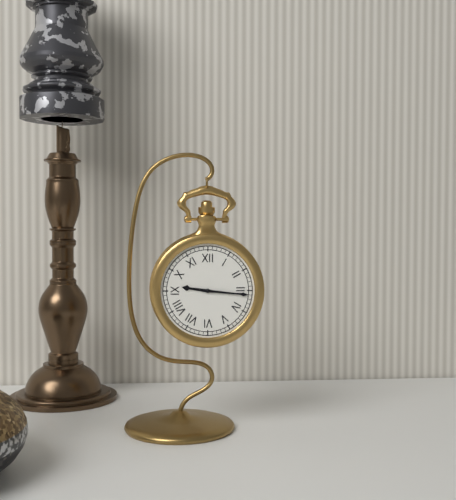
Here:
9,16
